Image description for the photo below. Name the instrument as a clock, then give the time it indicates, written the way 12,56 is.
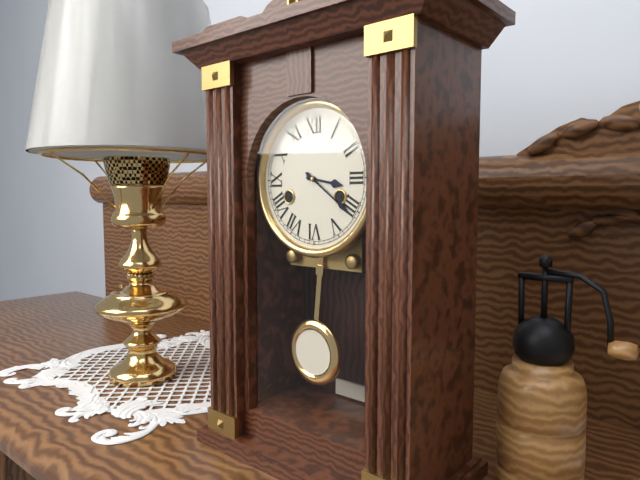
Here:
3,21
